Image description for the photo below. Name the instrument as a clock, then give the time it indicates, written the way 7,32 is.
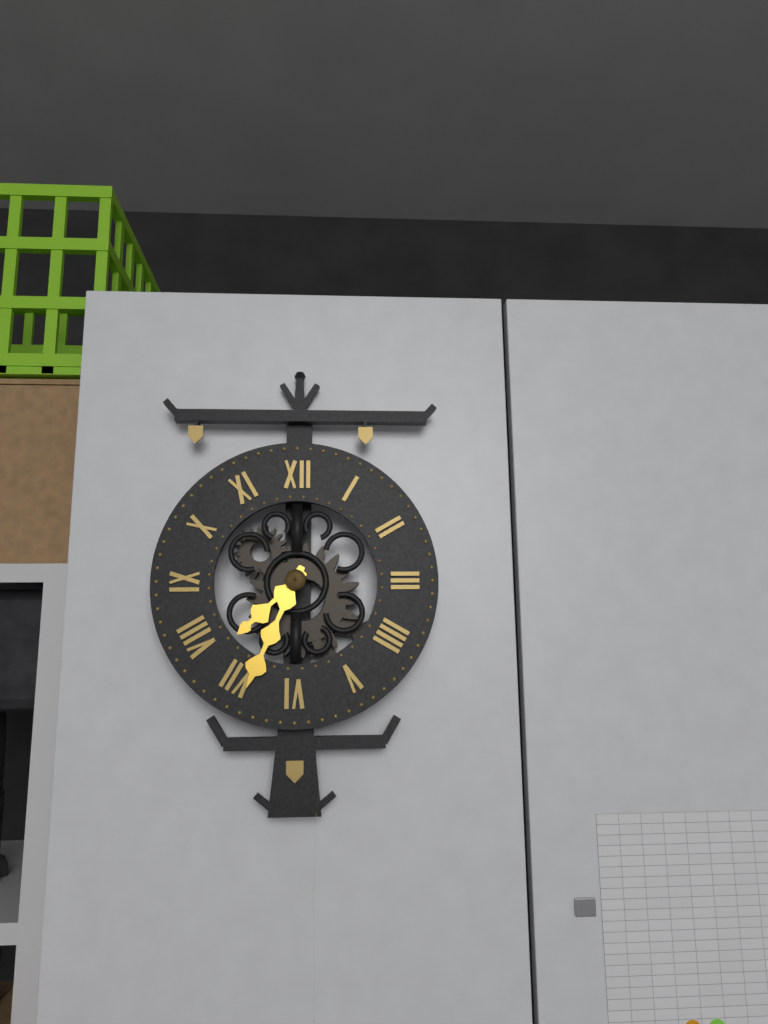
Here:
7,34
